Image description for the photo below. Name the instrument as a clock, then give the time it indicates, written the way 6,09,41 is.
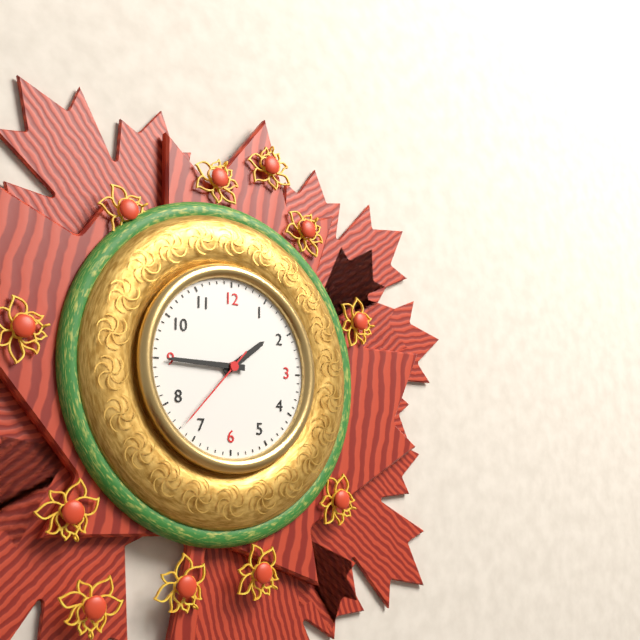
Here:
1,45,37
